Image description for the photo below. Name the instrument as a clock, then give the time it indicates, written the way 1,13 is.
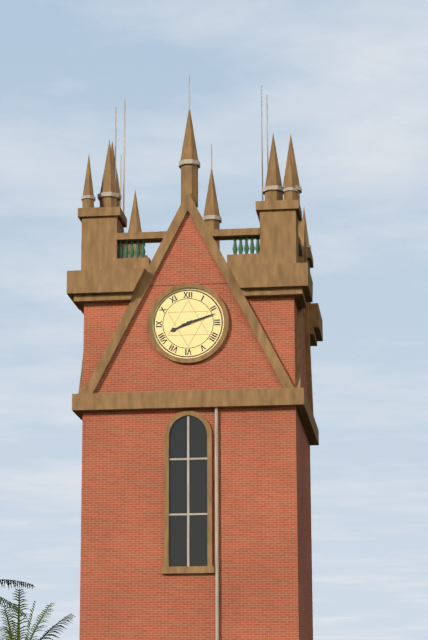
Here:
8,12
